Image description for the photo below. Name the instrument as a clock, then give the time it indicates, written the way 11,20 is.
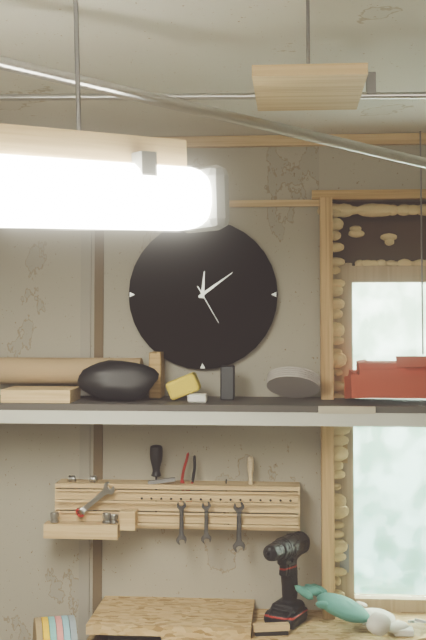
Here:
12,09
